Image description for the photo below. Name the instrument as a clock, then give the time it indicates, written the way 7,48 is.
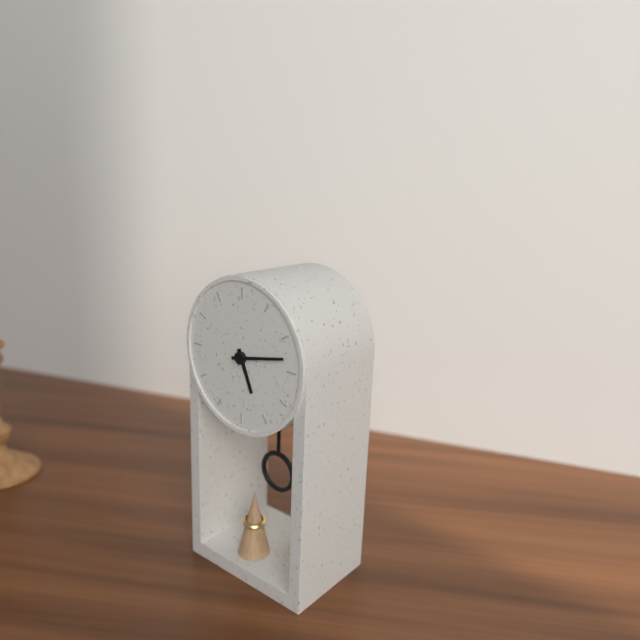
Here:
5,13
